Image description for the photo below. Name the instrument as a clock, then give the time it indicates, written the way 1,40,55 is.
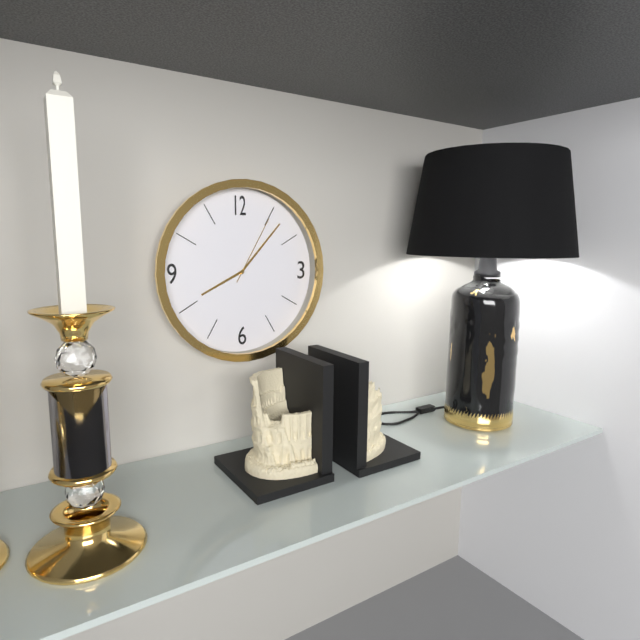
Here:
8,07,05
